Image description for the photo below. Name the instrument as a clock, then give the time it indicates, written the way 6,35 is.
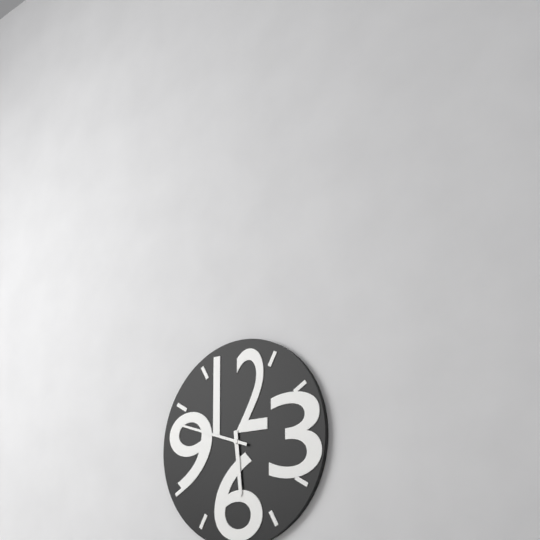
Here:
5,48
